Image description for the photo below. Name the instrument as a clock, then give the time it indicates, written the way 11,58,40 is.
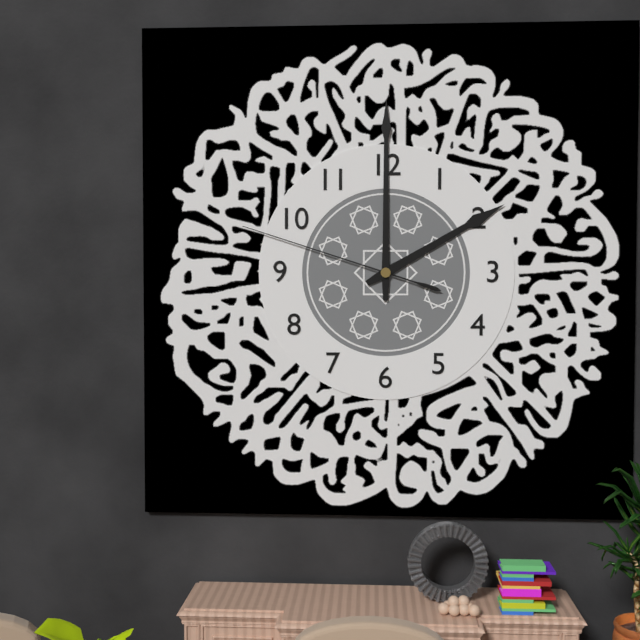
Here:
2,00,48
